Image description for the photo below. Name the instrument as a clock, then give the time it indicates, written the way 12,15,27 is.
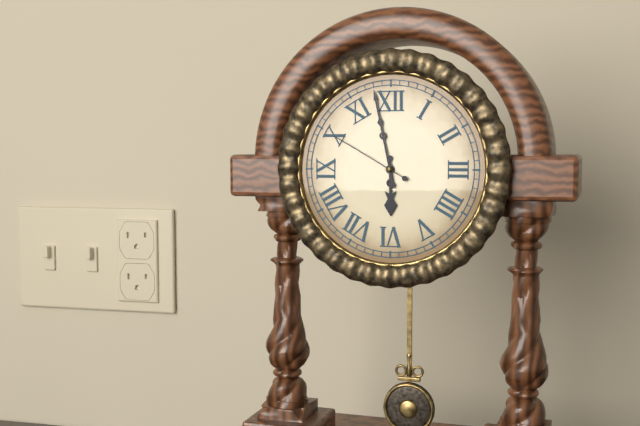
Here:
5,58,50
